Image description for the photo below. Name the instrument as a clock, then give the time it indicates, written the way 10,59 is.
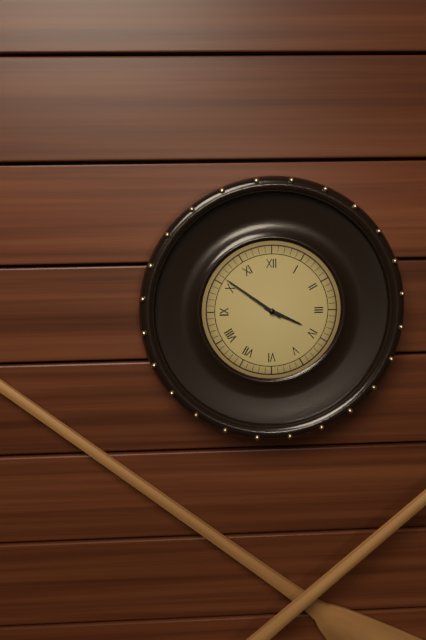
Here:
3,51
